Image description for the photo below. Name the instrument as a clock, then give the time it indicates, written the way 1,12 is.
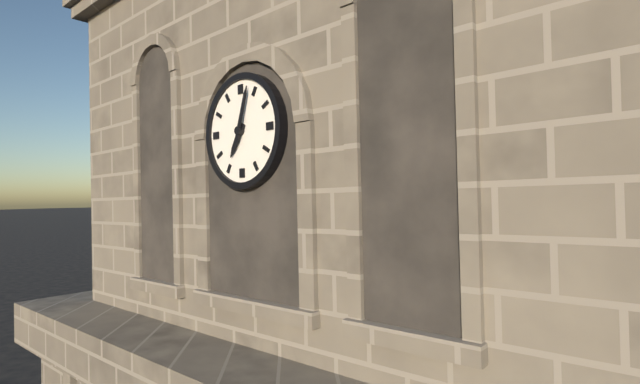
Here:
7,03
